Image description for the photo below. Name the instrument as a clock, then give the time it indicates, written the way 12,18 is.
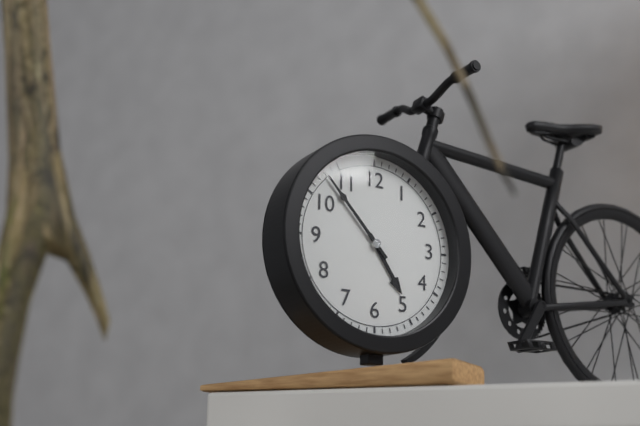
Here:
4,53
